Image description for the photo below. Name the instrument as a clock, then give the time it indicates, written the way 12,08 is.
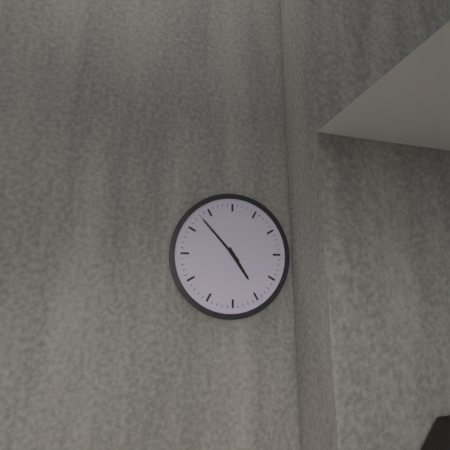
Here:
4,53
